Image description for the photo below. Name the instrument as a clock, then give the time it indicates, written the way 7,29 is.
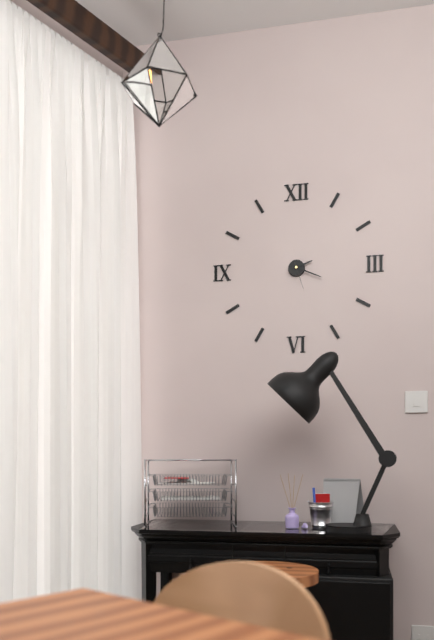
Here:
2,19
